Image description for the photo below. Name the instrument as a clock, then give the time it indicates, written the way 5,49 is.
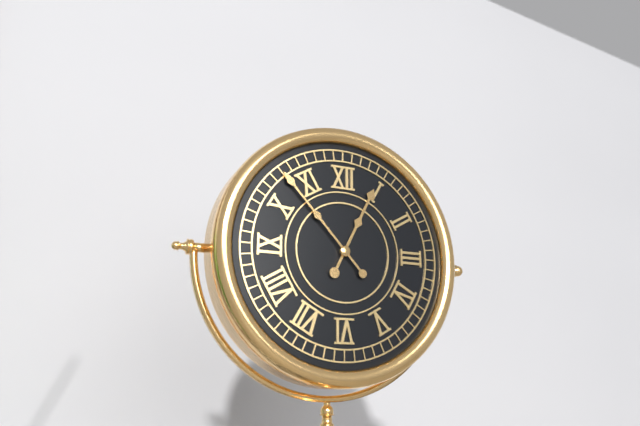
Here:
12,53
